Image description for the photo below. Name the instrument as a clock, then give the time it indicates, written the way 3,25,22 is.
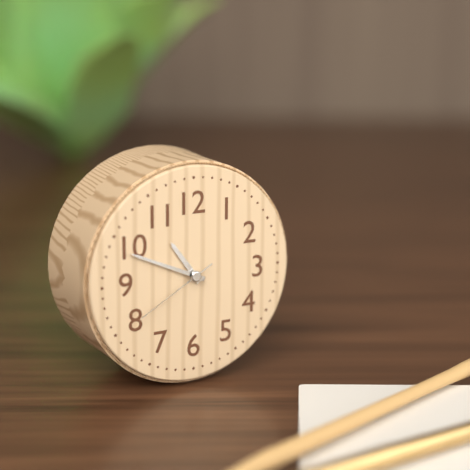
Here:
10,49,40
